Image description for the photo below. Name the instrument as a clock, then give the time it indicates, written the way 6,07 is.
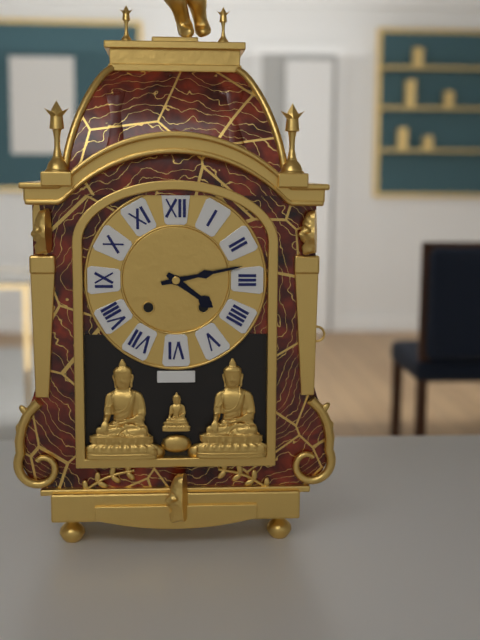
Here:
4,13
